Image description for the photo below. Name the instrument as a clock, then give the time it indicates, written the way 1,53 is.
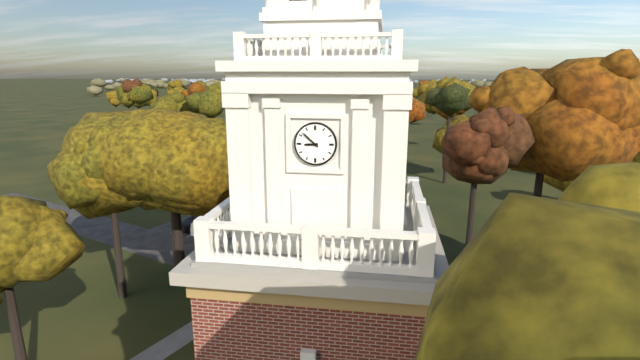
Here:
8,52
